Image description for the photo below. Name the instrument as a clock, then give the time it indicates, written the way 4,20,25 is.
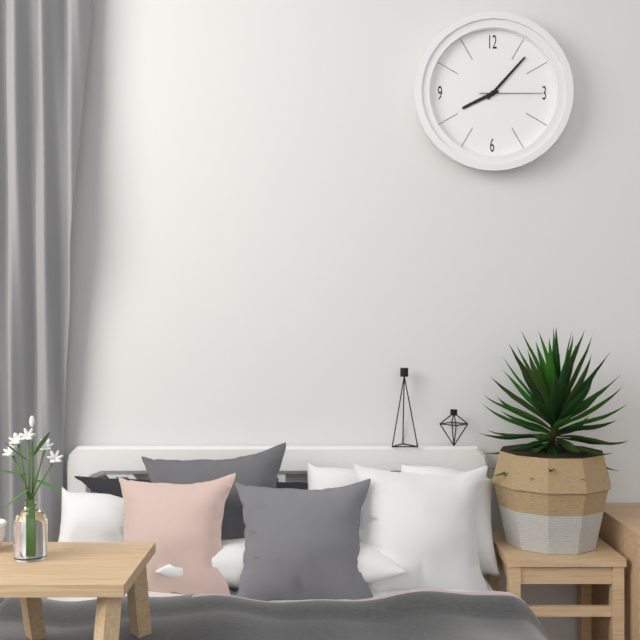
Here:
8,07,15
